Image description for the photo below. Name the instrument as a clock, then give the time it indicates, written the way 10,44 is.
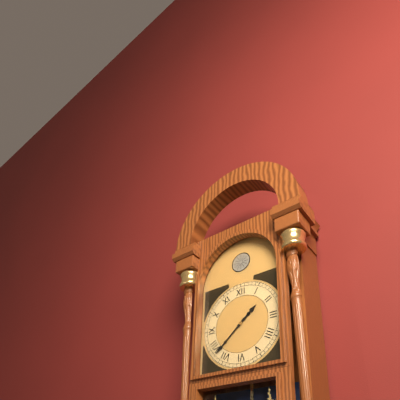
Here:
1,38
